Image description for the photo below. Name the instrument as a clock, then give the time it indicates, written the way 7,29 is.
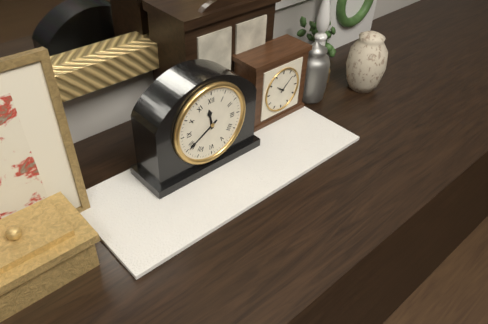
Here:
11,40
